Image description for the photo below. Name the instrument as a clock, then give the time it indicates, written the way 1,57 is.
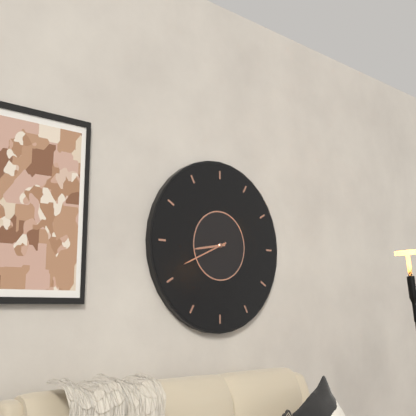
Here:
8,41
